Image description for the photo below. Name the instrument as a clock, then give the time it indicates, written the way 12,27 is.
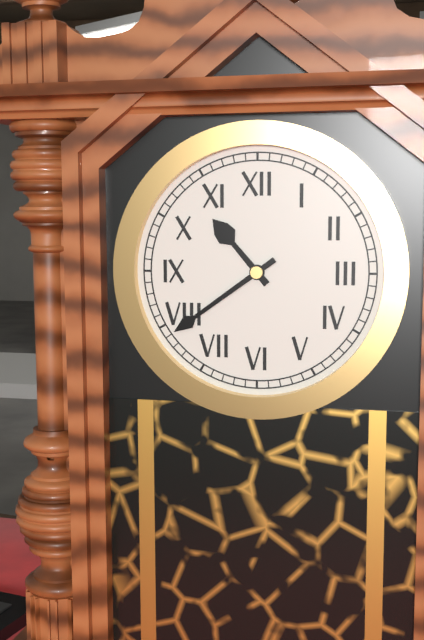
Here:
10,39
